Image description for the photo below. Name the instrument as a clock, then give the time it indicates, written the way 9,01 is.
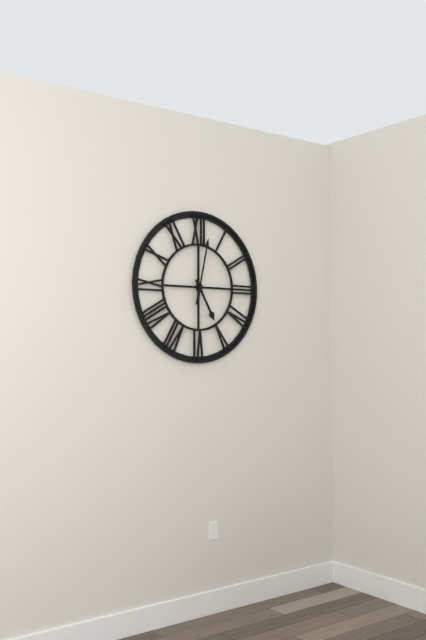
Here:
5,02
